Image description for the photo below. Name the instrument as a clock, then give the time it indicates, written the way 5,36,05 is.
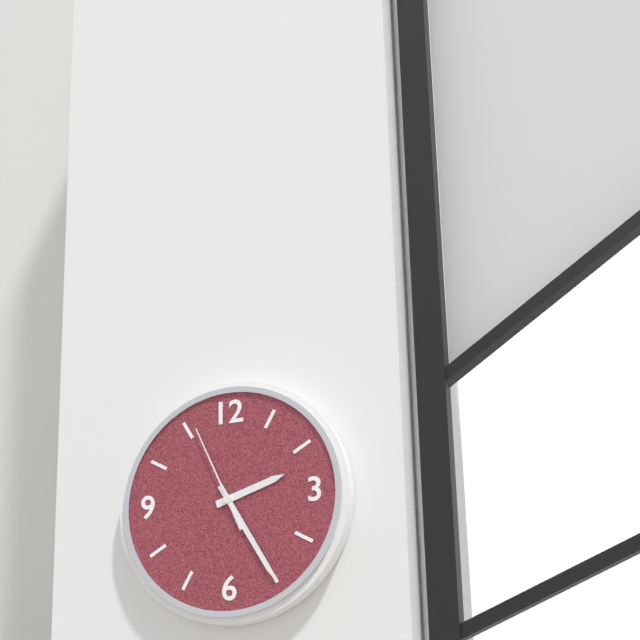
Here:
2,25,56
